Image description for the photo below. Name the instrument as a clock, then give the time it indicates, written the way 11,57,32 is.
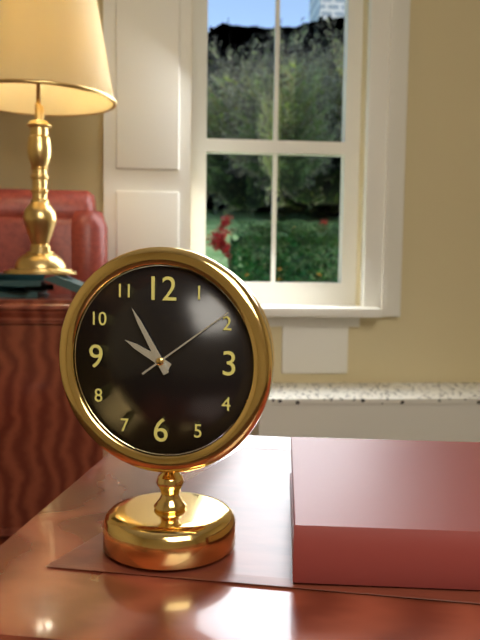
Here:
9,55,09
